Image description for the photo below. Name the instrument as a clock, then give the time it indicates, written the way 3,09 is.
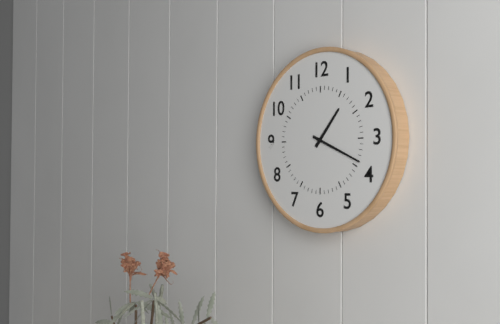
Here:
1,19
